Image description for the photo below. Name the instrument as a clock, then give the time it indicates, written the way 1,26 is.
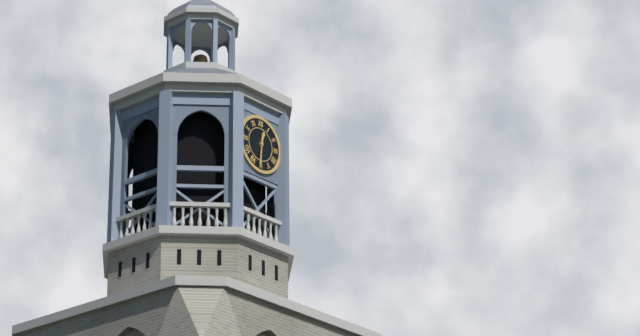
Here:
12,31
